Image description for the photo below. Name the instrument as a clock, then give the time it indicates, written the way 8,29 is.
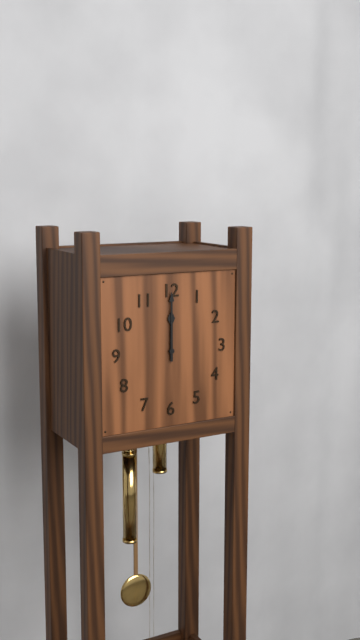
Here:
12,00
